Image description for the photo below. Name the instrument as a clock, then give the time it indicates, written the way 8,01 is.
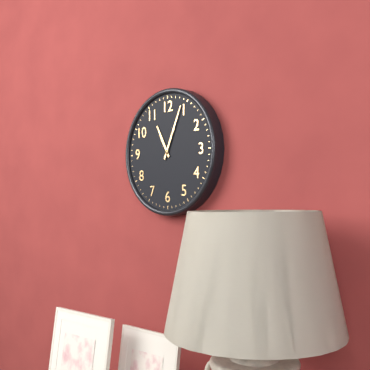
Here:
11,04
